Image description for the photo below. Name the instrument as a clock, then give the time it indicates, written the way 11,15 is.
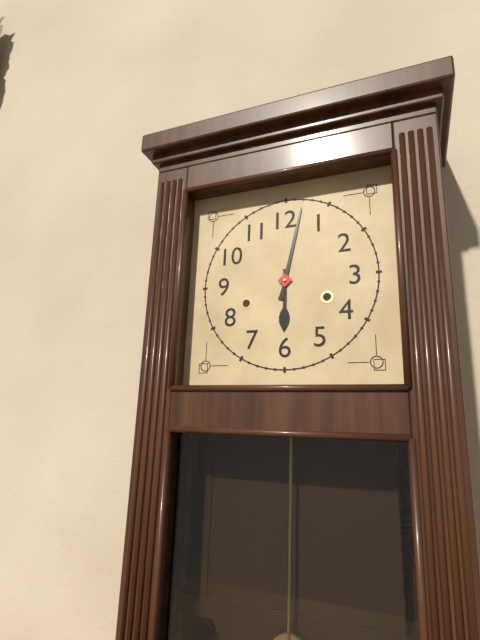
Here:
6,02
